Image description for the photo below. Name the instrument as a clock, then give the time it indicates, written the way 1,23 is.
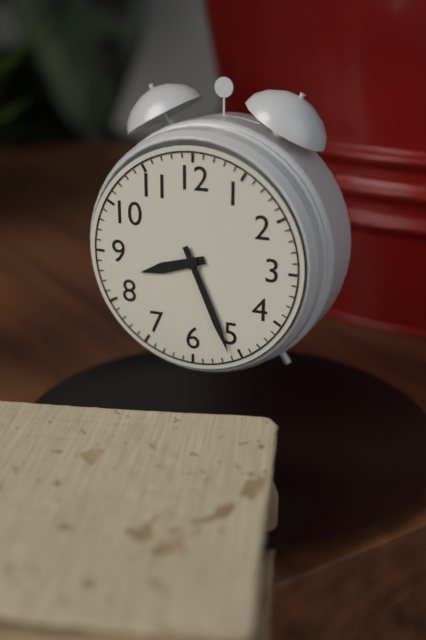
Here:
8,26
